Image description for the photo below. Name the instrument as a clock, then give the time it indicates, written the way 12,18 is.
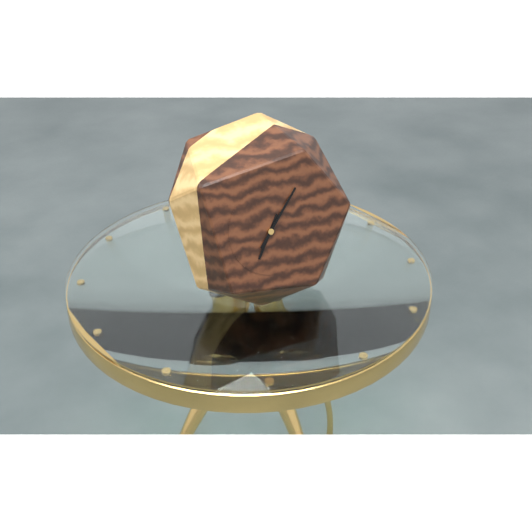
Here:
7,07
